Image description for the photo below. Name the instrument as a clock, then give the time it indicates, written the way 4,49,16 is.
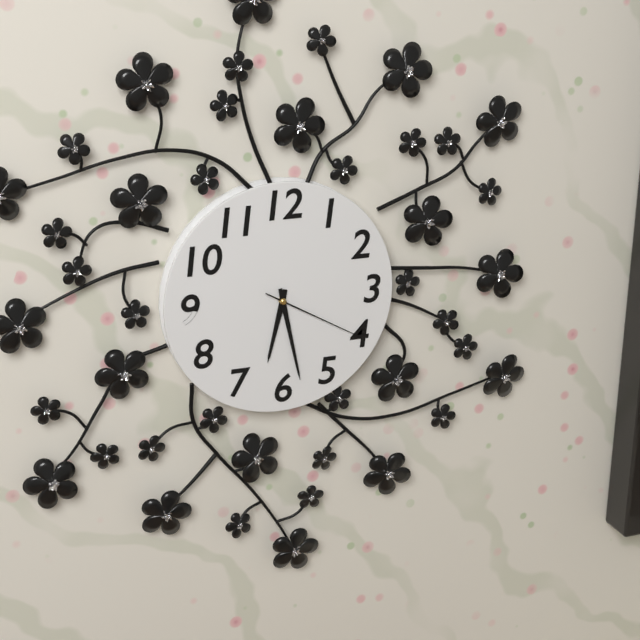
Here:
6,28,20
